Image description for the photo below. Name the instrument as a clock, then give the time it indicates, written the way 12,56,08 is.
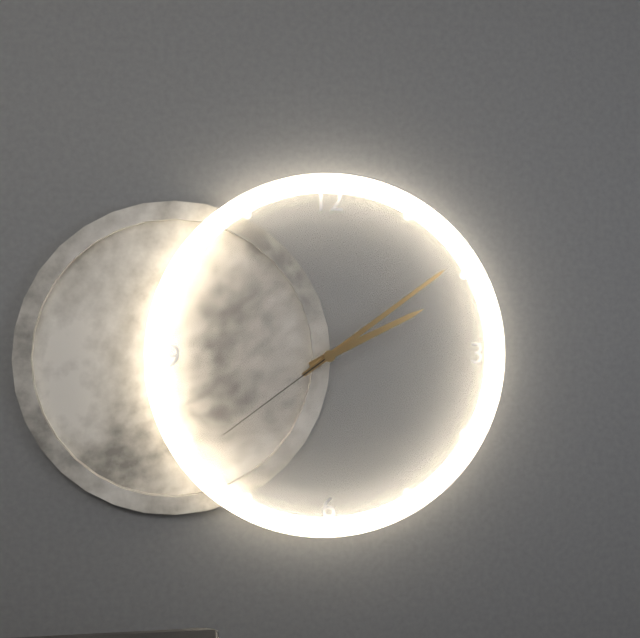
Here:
2,09,39
